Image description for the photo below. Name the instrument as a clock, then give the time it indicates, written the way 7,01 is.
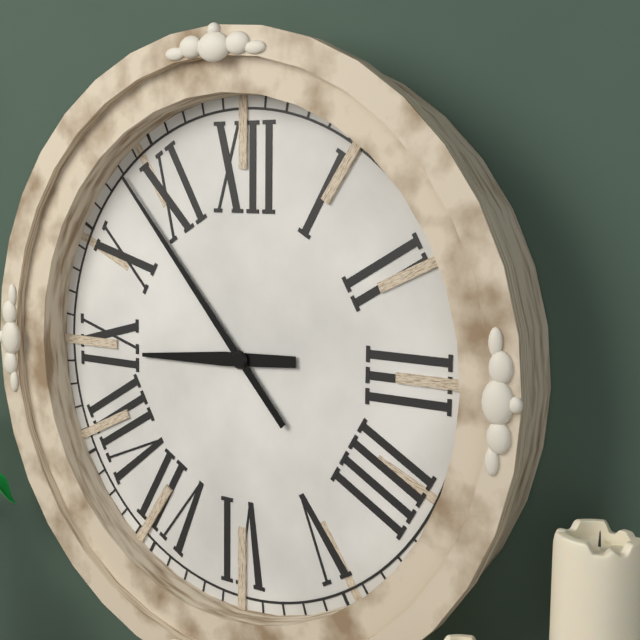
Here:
8,53
